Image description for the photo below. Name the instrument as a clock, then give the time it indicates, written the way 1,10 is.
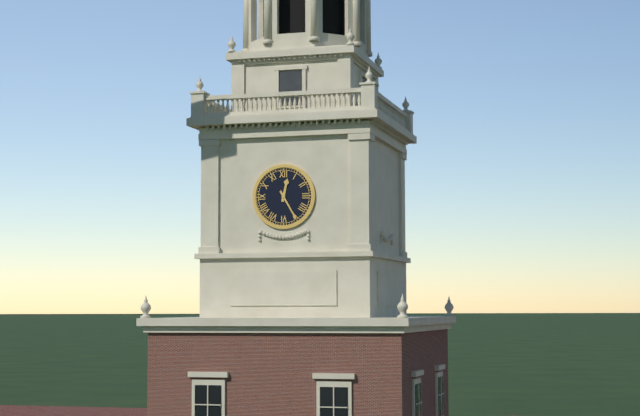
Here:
12,25
